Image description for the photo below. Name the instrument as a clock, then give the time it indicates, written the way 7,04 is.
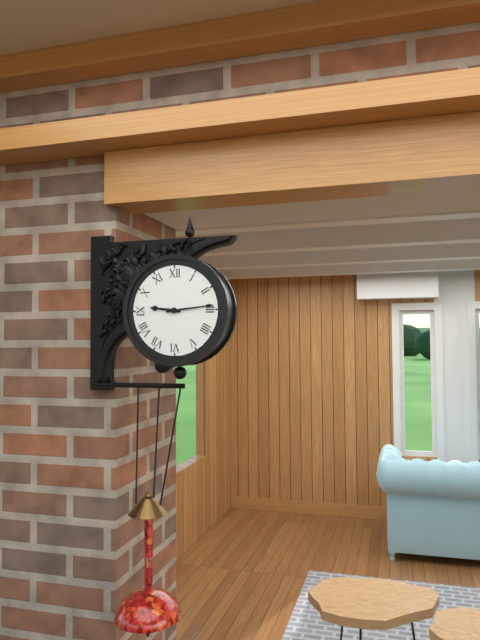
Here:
9,14
